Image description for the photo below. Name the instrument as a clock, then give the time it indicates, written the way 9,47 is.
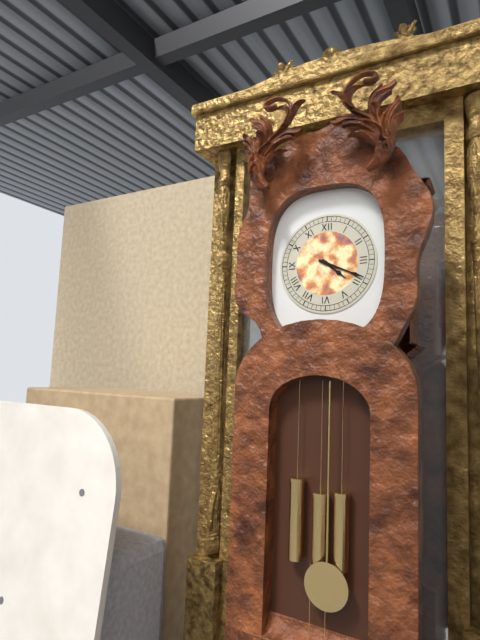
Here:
4,19
